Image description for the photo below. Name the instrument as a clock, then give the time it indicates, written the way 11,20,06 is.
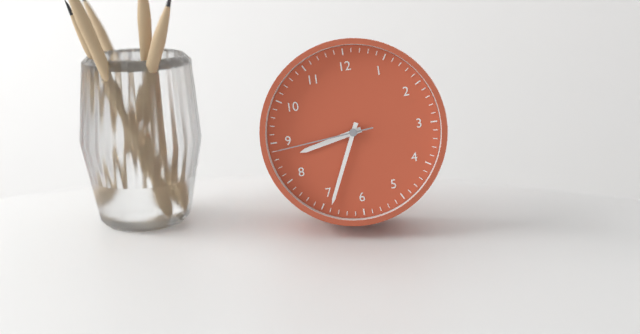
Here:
8,34,44
